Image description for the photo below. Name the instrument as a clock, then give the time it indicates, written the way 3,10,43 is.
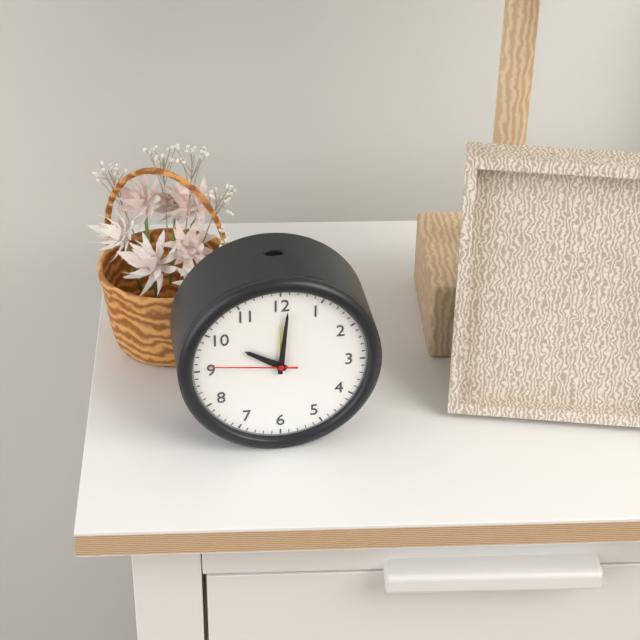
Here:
10,01,46
